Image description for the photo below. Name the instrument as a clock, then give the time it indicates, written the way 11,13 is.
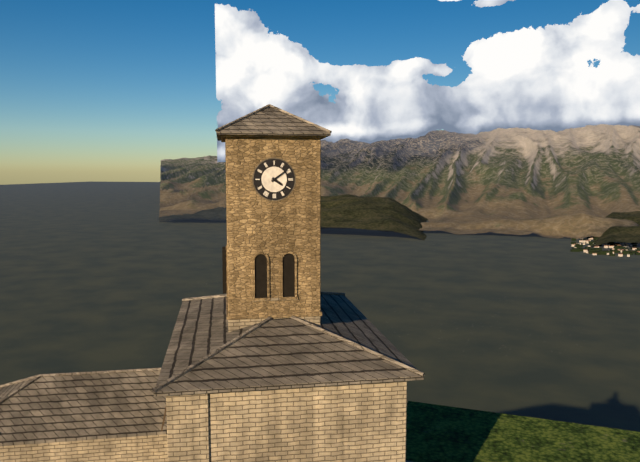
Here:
4,09
